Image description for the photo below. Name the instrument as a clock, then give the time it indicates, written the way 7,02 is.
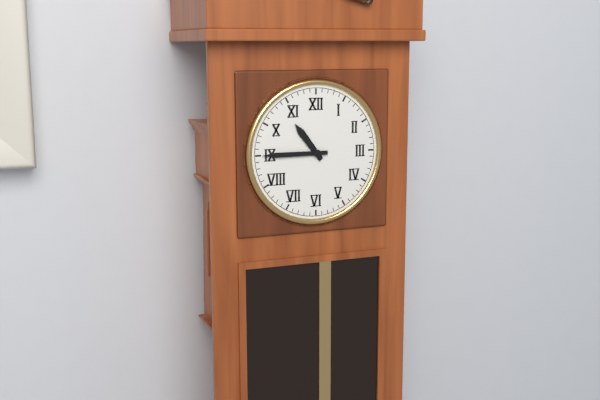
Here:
10,45
